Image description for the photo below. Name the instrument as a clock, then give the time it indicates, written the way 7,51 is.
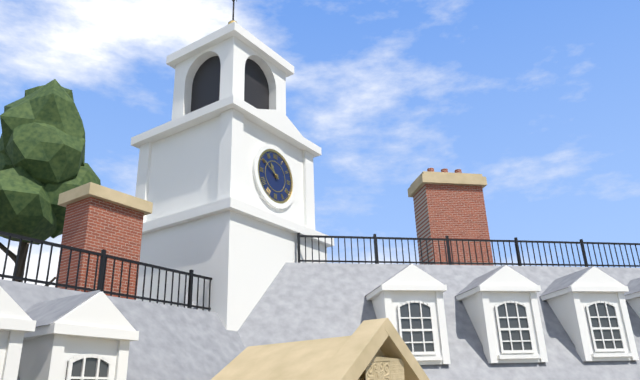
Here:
10,50
